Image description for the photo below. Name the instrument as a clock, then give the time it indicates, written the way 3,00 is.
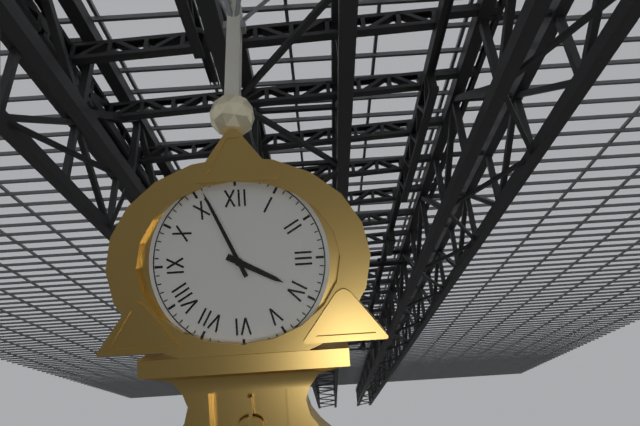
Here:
3,56
